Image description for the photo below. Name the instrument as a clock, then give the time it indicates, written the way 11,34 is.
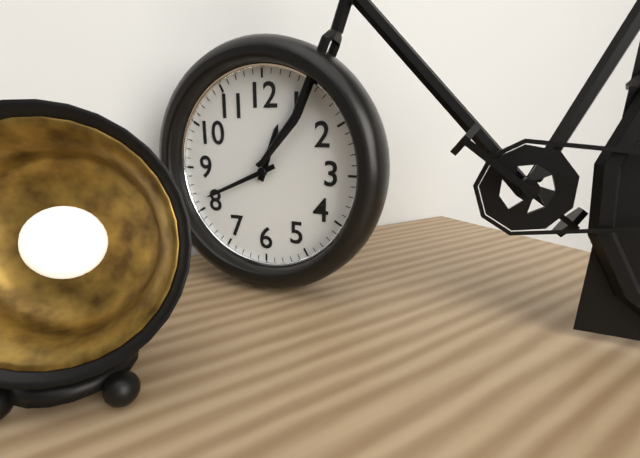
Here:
12,41
